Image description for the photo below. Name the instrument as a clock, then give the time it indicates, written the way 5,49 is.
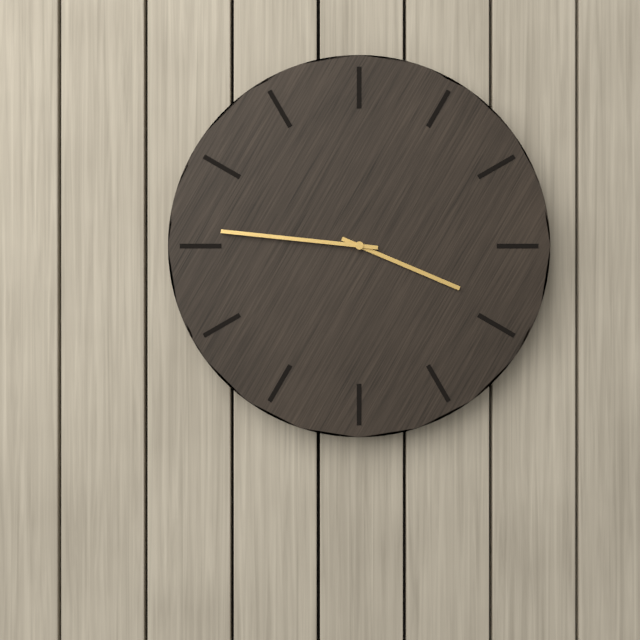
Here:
3,46
